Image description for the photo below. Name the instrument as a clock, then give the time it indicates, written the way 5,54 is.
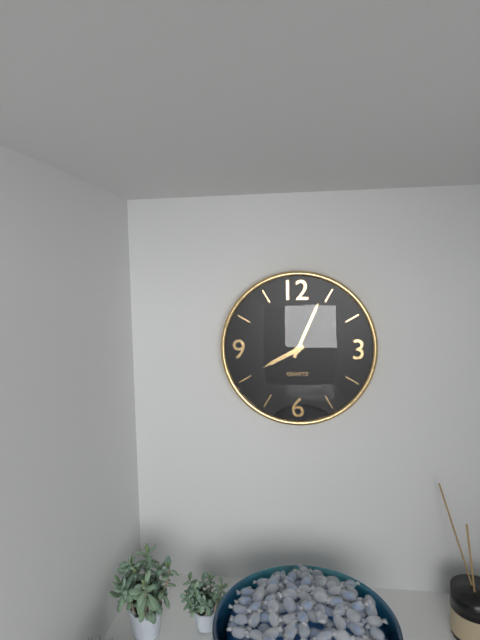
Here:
8,04
